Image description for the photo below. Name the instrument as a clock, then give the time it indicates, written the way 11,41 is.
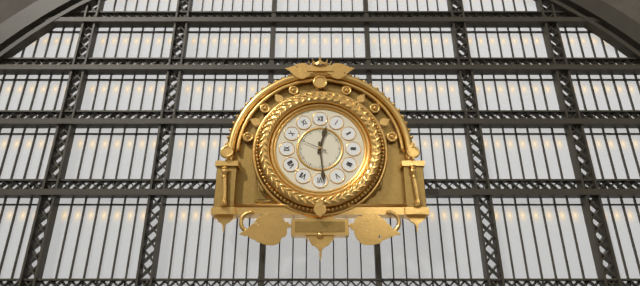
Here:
12,29
